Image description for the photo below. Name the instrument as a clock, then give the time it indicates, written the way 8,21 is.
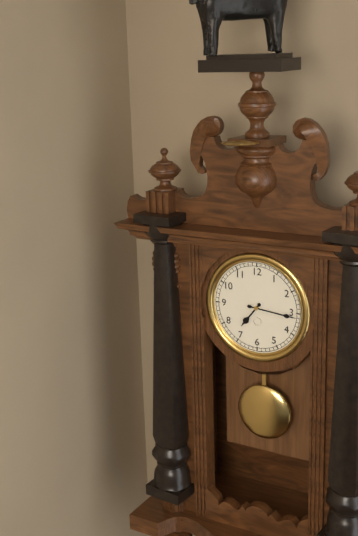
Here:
7,16
